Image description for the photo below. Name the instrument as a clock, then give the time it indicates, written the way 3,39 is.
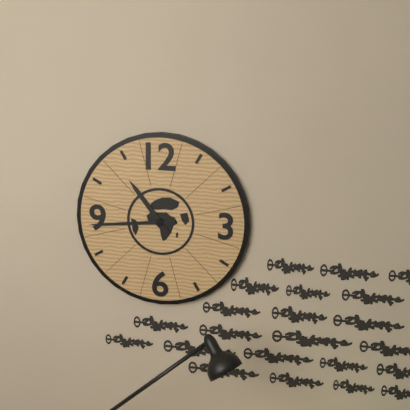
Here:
10,44
